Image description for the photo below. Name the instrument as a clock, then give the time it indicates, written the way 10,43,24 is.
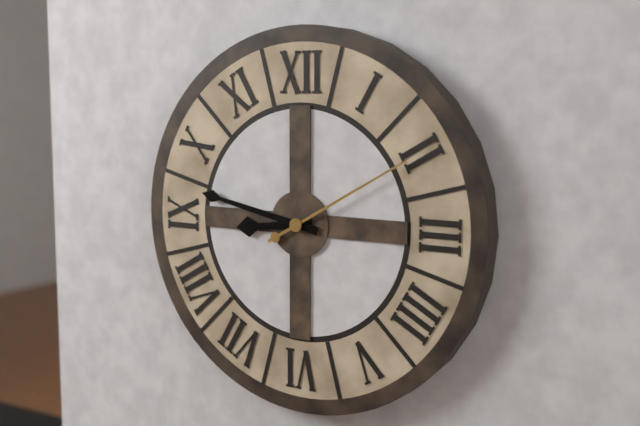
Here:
8,47,10
